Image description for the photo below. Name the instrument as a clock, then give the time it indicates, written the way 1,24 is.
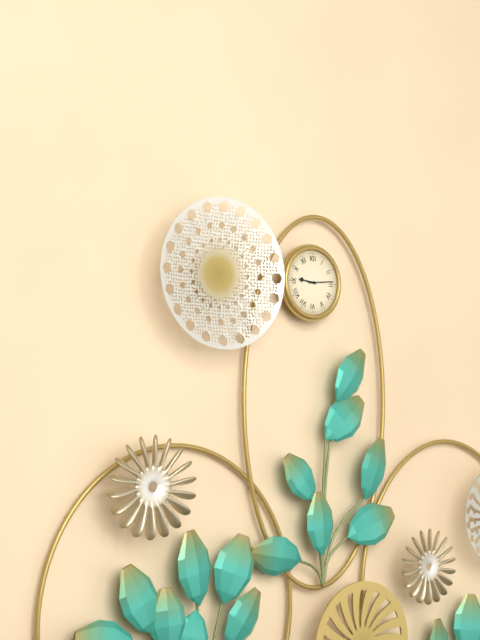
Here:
9,14
